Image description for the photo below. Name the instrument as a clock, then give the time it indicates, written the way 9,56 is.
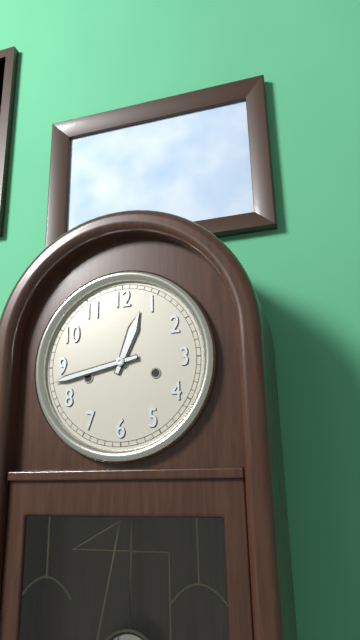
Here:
12,43
